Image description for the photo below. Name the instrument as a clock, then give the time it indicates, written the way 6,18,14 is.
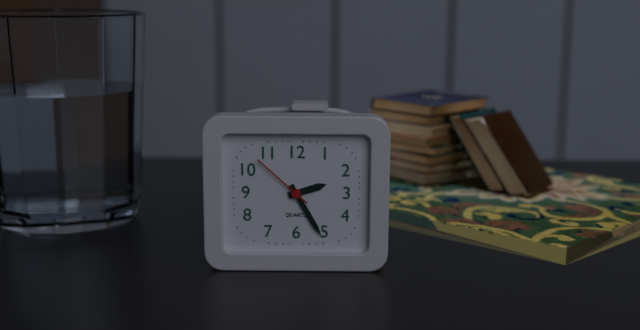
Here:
2,25,52
